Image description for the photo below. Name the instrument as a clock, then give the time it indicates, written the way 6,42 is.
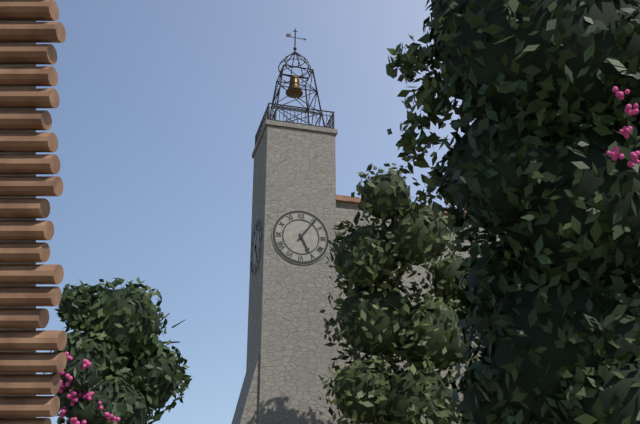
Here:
5,06
